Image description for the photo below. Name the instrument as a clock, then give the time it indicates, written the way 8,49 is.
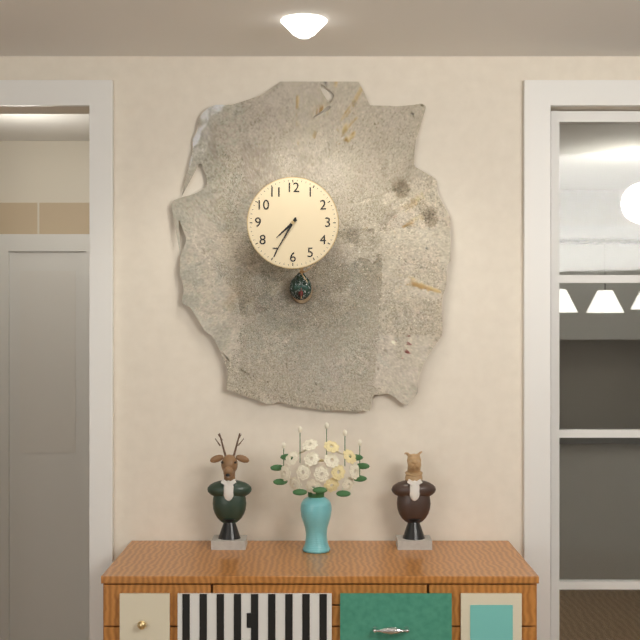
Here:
7,35
